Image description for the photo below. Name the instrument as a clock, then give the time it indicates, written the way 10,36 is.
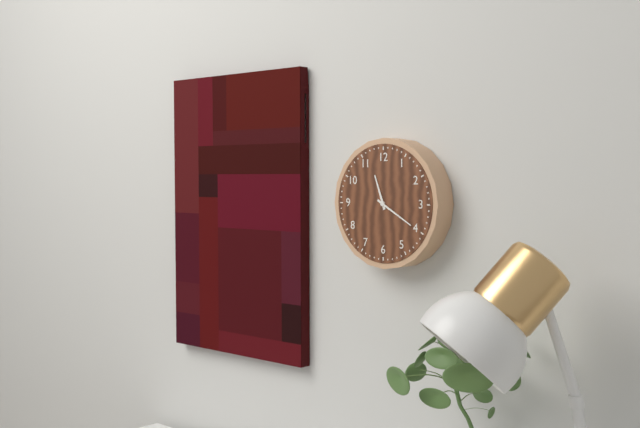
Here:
11,20
